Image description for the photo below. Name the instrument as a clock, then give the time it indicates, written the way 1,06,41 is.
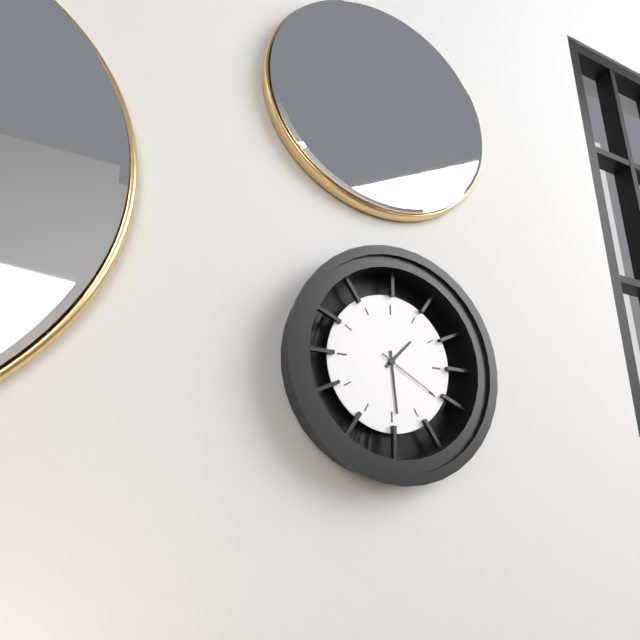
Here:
1,29,20
